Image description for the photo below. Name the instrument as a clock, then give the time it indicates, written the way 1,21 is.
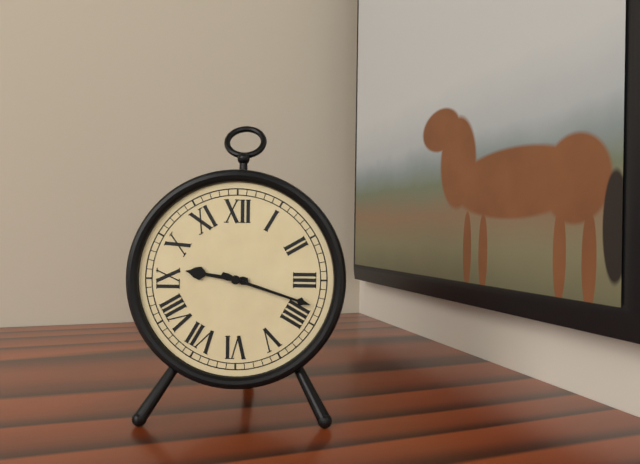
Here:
9,18
